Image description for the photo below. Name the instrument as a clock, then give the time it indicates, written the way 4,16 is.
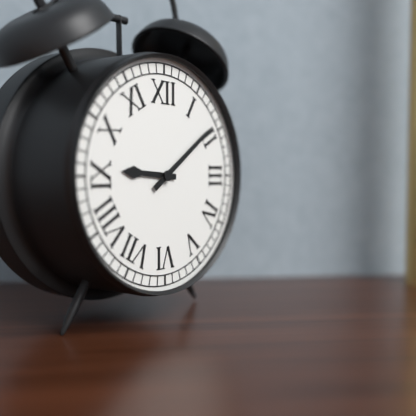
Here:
9,09
